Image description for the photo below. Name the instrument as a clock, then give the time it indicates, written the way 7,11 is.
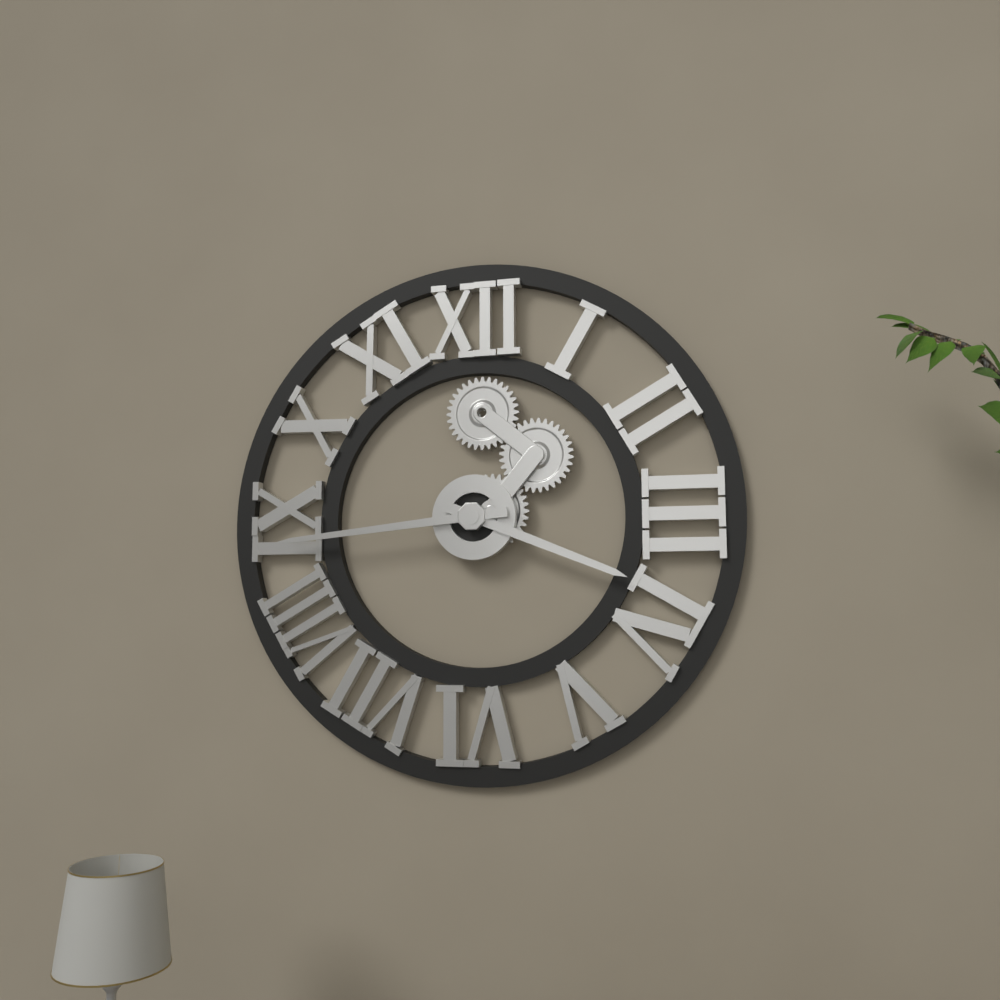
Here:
3,44
